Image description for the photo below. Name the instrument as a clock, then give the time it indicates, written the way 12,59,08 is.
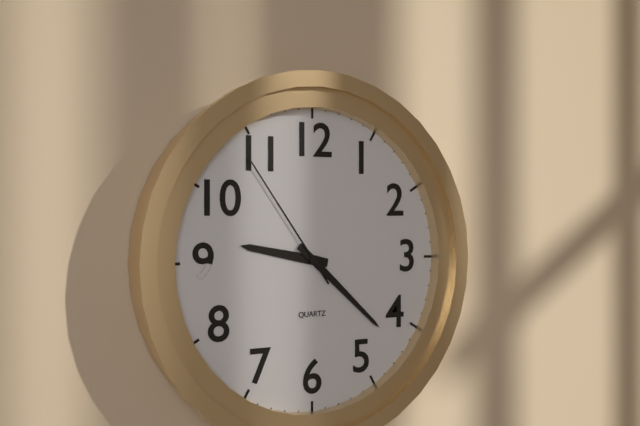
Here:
9,22,54
